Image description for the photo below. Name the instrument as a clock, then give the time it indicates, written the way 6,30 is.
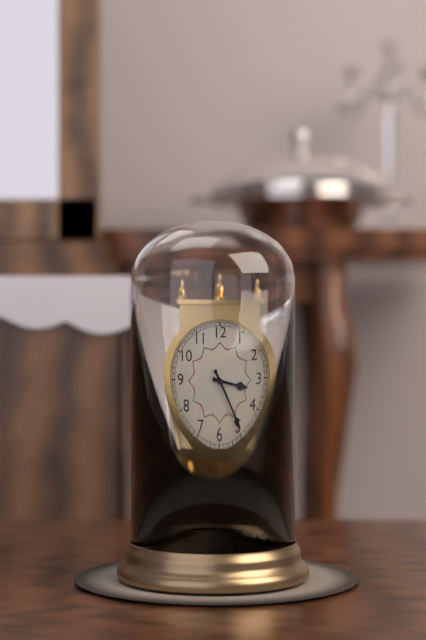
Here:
3,25
